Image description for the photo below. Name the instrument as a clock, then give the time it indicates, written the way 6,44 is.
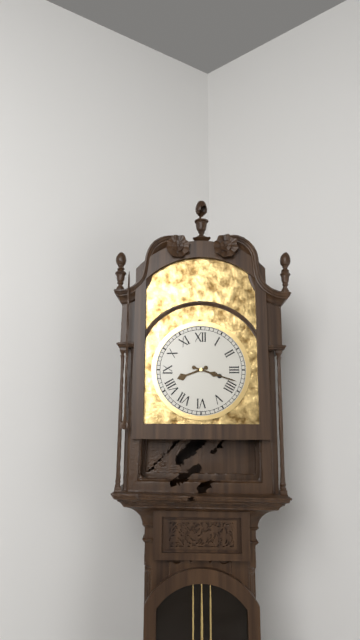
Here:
8,18
